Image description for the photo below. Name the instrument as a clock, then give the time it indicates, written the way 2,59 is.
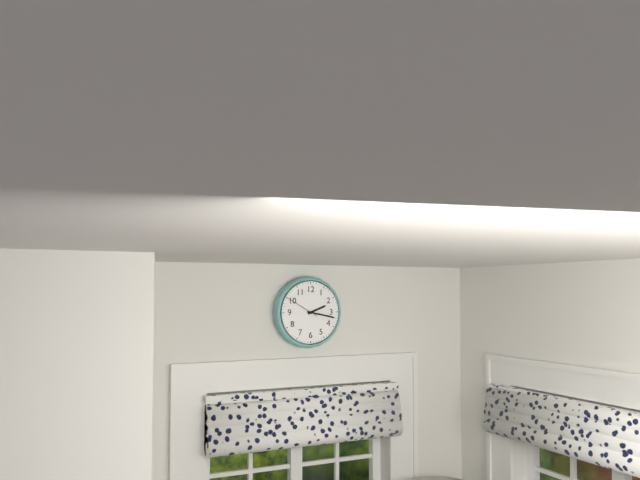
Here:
2,17
